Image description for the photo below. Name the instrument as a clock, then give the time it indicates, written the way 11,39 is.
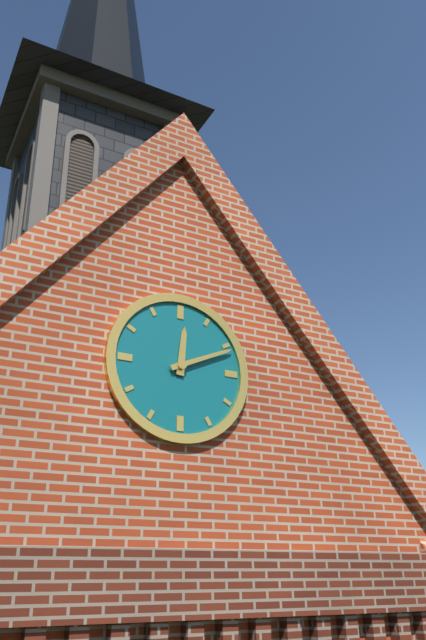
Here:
12,11
